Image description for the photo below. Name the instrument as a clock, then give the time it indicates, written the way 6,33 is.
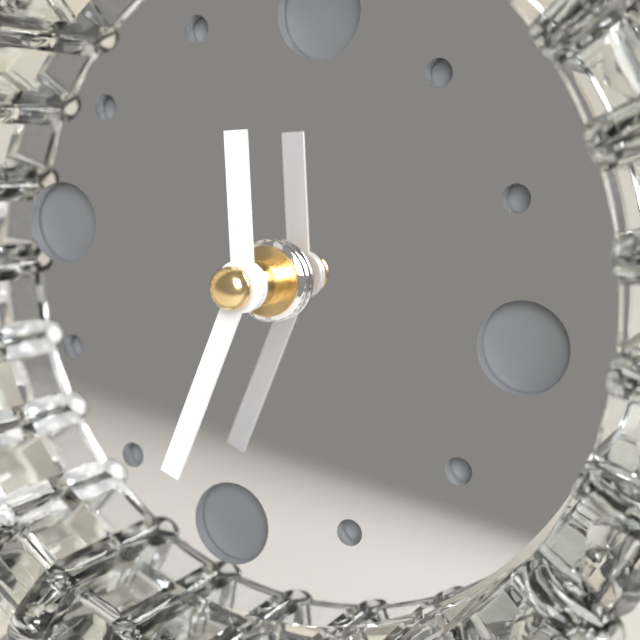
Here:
11,32
